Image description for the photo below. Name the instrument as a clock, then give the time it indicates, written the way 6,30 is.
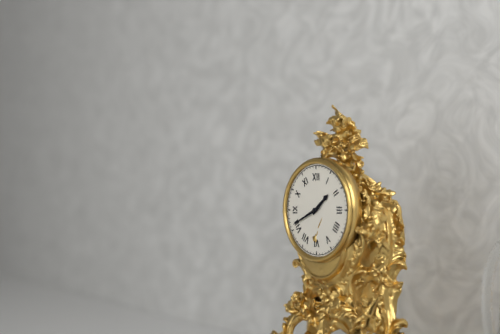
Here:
1,41
